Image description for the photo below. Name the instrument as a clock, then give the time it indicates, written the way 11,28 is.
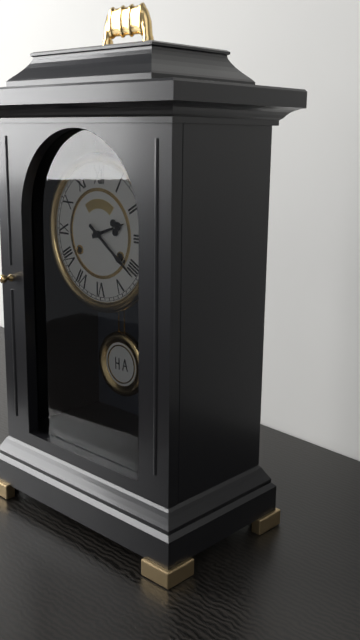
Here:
2,21
